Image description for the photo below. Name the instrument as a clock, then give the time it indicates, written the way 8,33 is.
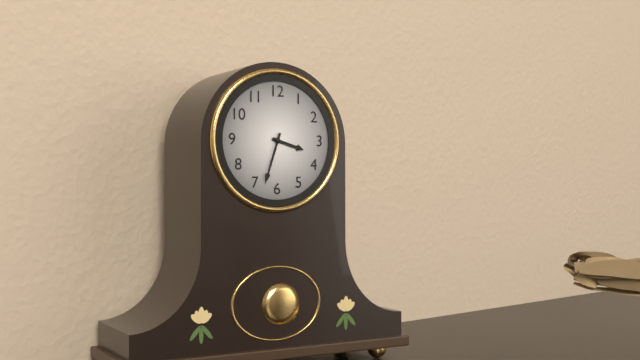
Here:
3,33
